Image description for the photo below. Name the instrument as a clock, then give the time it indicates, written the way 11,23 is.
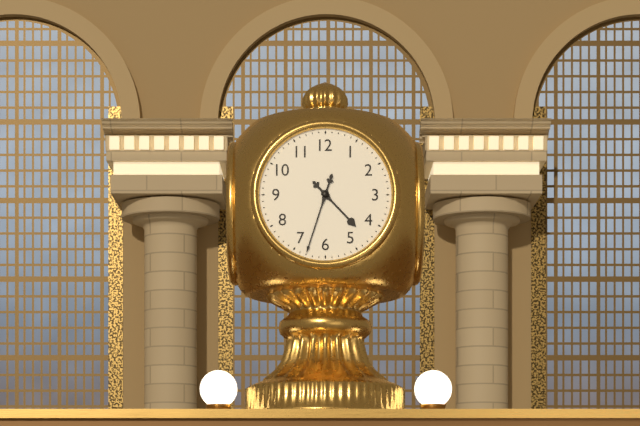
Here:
4,33
